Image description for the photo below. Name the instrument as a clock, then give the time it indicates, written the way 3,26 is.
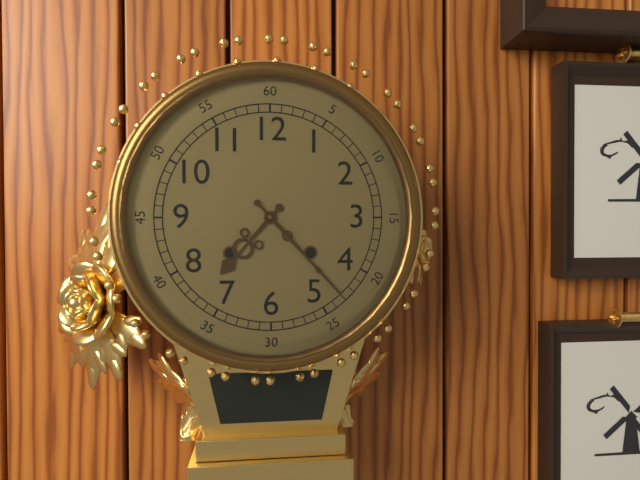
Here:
7,23
